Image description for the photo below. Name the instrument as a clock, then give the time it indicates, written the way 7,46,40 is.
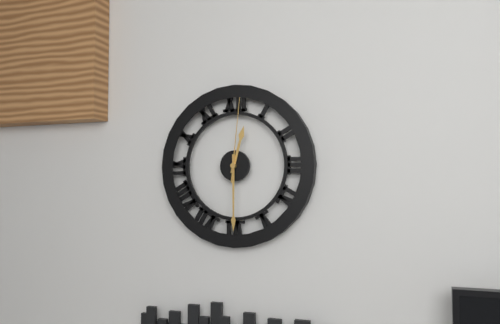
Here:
12,30,01
